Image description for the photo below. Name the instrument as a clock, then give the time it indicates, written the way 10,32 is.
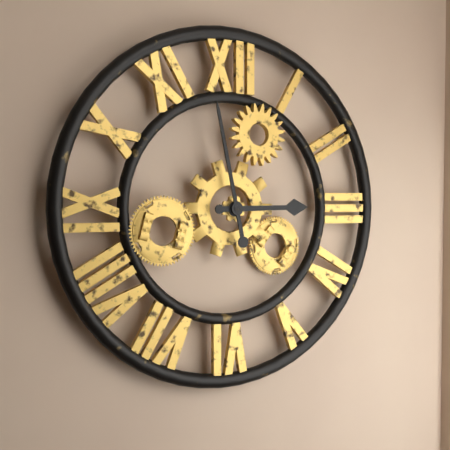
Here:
2,58
